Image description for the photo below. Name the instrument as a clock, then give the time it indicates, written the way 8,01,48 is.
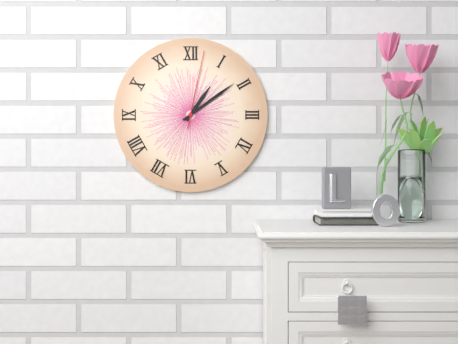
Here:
1,09,02
